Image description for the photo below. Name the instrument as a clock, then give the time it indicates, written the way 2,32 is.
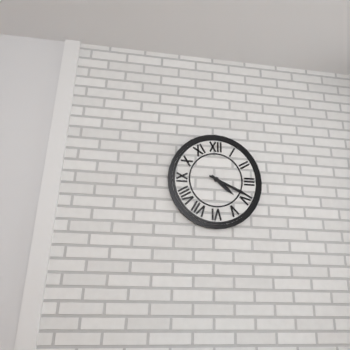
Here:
4,19
